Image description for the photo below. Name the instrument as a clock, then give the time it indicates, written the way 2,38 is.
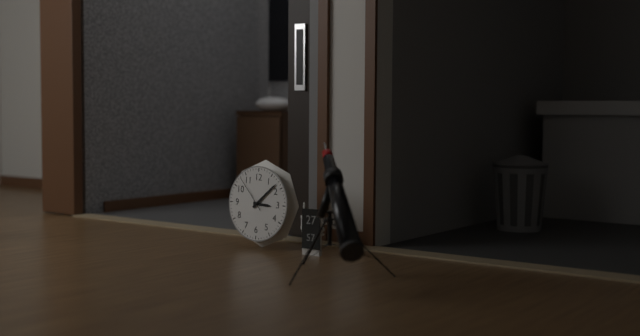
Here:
3,08
